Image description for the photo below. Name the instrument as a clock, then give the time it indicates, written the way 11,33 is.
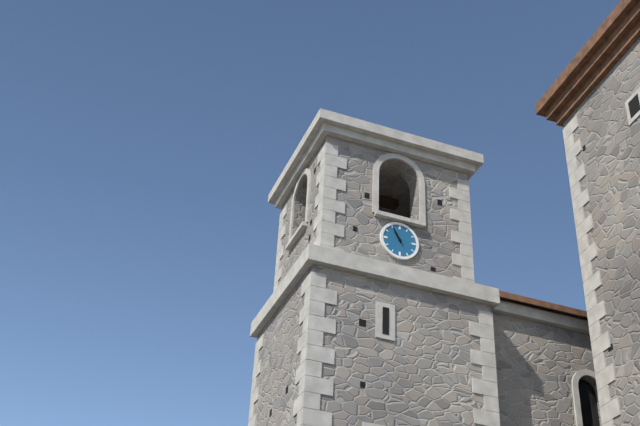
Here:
10,55
